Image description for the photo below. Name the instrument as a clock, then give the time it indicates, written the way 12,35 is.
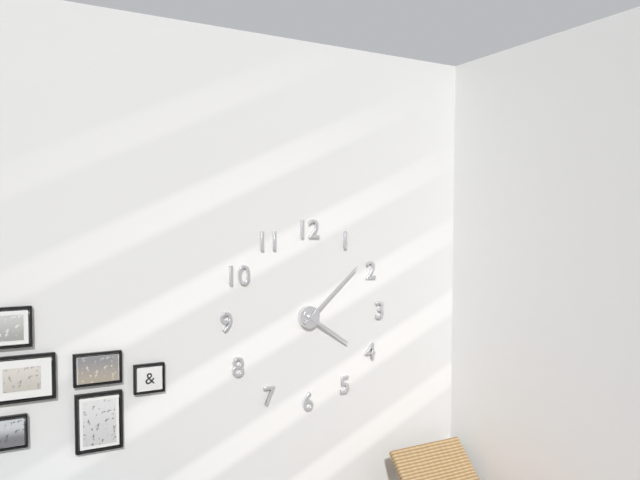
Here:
4,08
